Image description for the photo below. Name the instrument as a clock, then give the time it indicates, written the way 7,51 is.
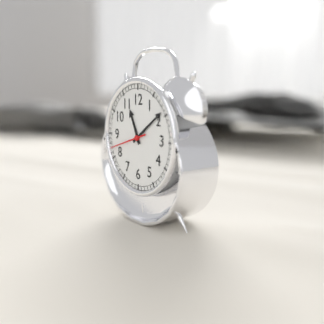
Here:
11,09
